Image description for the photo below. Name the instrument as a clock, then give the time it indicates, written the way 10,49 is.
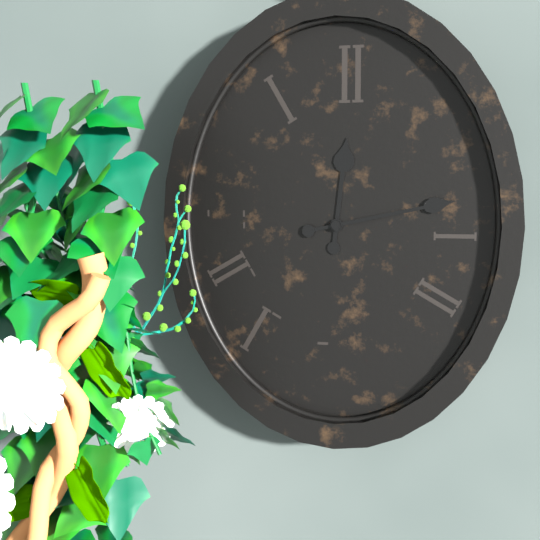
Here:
12,13
